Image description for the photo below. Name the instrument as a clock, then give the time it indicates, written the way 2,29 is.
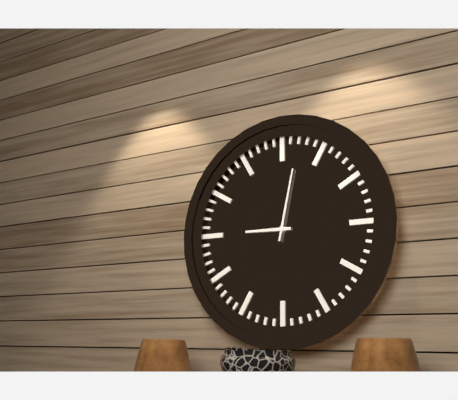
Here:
9,02
